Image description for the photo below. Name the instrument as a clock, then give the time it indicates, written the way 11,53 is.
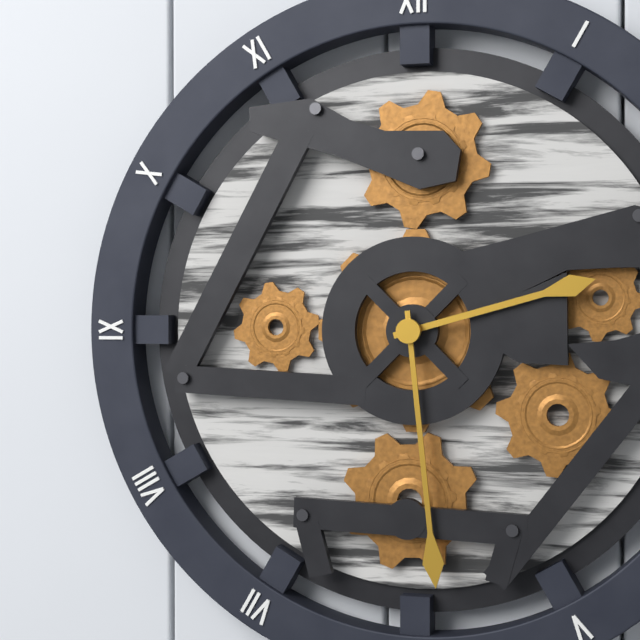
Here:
2,29
